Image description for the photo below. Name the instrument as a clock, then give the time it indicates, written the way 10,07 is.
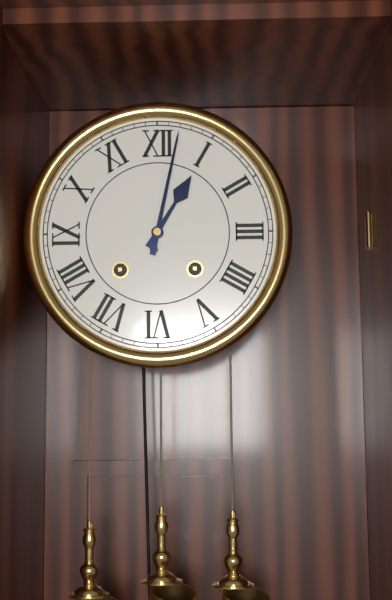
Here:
1,02
